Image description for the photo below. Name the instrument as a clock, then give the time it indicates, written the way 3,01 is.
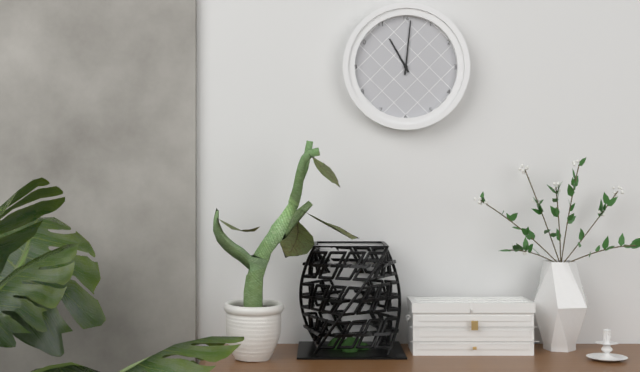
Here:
11,01
